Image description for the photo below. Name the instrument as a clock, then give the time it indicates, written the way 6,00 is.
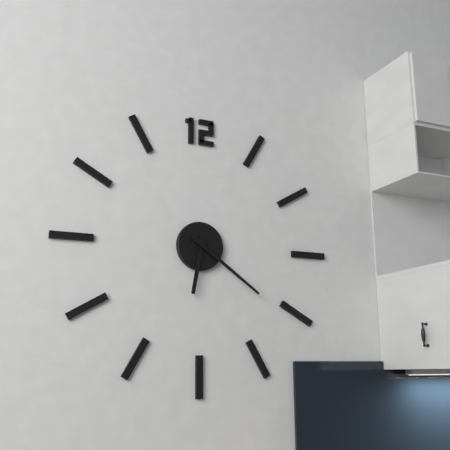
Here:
6,21
